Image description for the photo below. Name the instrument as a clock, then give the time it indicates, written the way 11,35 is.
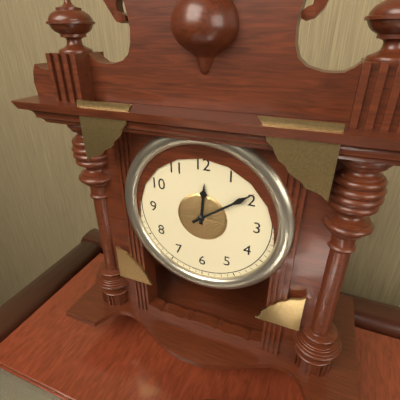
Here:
12,09
